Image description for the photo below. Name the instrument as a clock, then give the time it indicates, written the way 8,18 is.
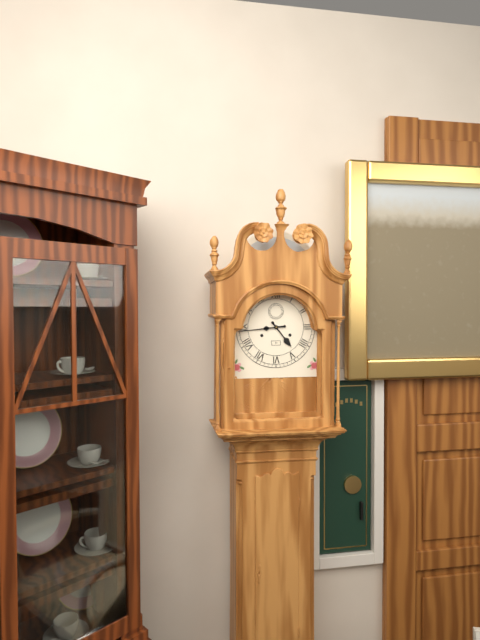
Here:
4,44
